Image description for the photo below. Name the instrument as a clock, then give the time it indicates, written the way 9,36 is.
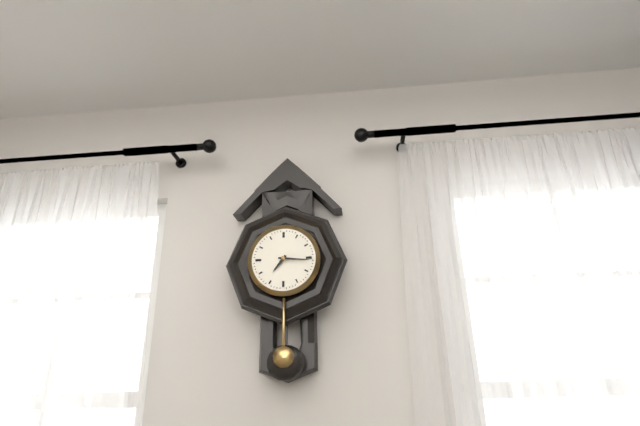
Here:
7,16
